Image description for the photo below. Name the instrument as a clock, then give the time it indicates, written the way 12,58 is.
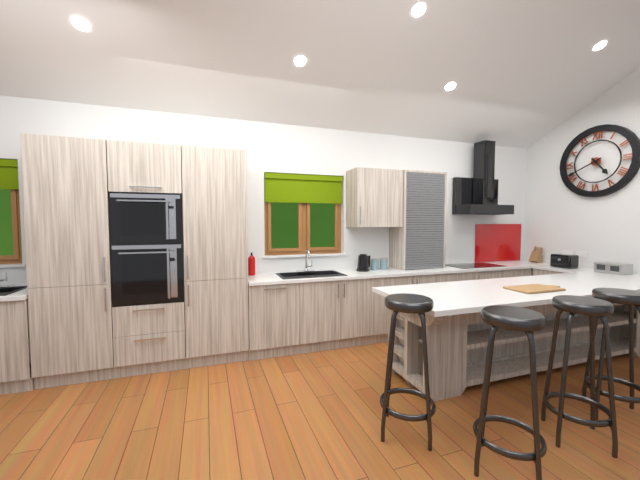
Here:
4,41
